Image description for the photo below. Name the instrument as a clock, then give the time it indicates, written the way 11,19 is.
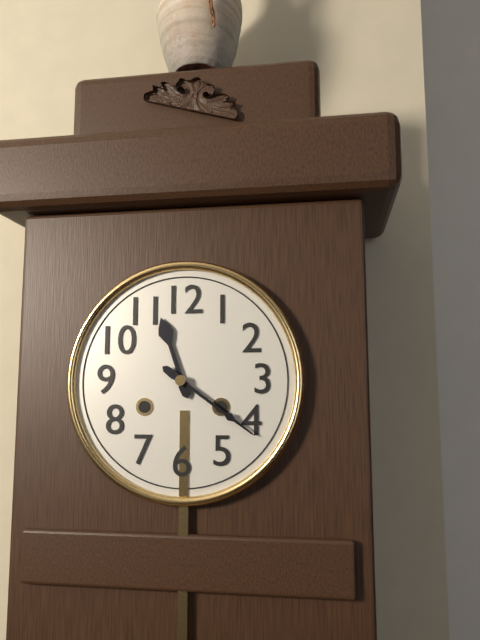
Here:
11,21
